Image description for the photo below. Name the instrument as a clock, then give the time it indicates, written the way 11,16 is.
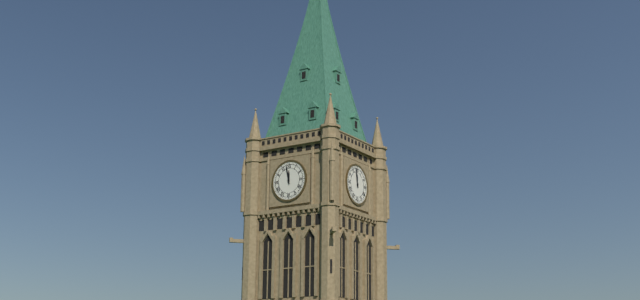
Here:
11,58
